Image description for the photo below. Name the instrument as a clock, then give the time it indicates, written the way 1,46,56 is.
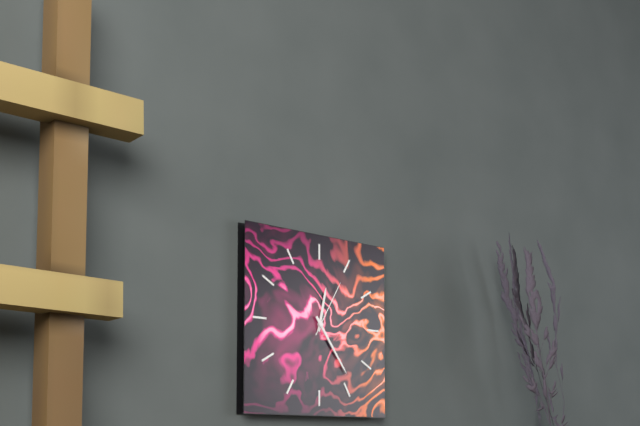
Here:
12,24,05
